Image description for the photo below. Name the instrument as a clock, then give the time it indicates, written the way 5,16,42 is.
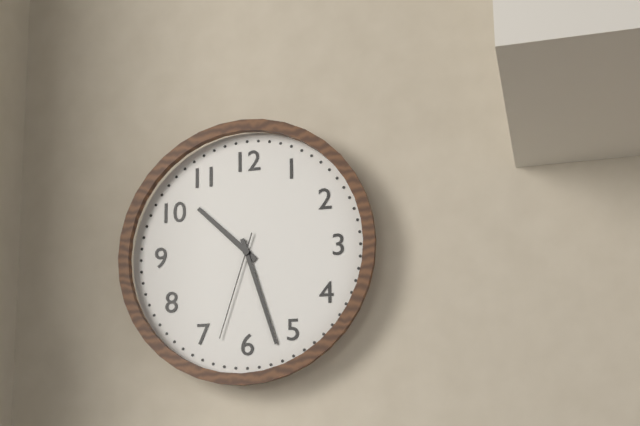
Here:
10,27,33
